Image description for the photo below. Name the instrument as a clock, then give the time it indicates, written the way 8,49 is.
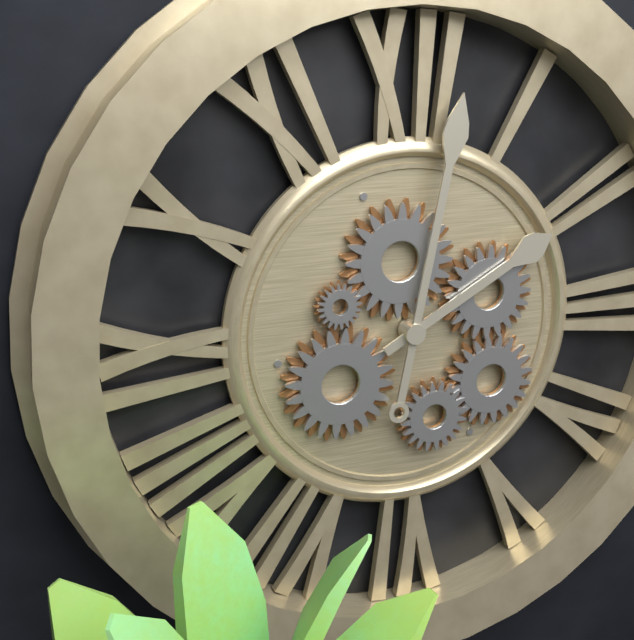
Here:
2,02
